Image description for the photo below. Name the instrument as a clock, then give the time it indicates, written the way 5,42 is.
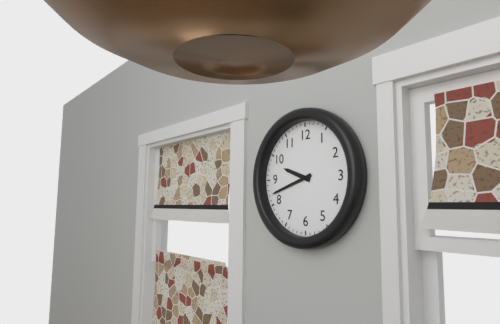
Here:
9,42
